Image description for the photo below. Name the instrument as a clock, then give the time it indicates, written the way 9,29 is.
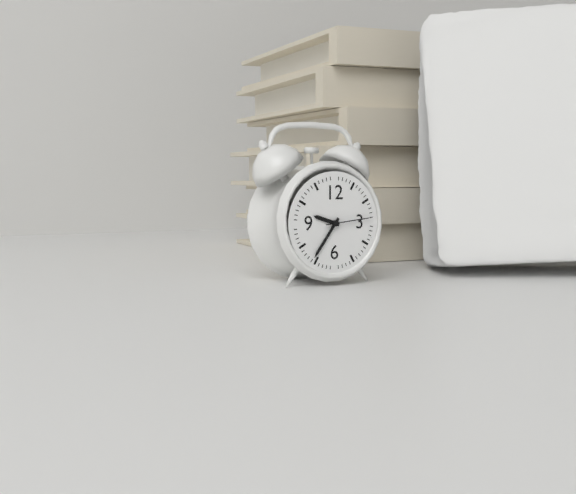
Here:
9,36
